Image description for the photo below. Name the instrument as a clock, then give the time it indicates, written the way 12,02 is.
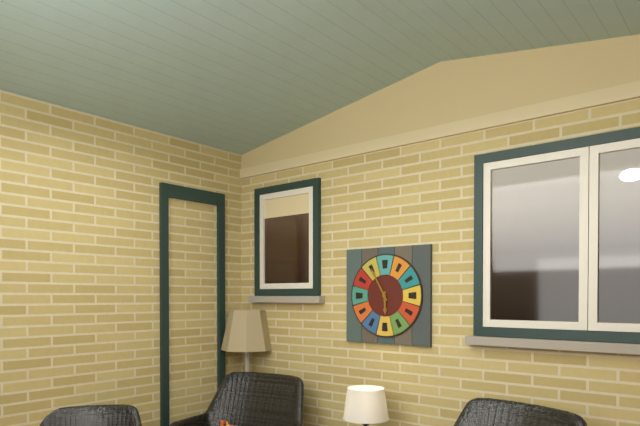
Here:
5,55
